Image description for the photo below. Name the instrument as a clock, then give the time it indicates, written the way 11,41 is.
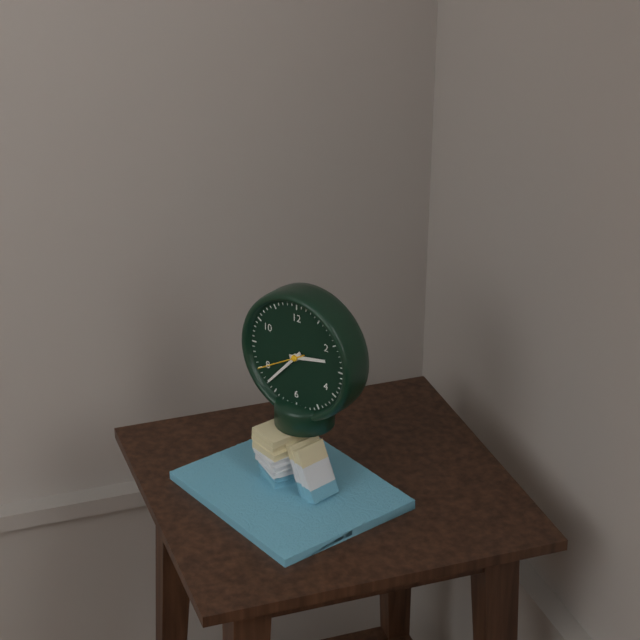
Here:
2,37
